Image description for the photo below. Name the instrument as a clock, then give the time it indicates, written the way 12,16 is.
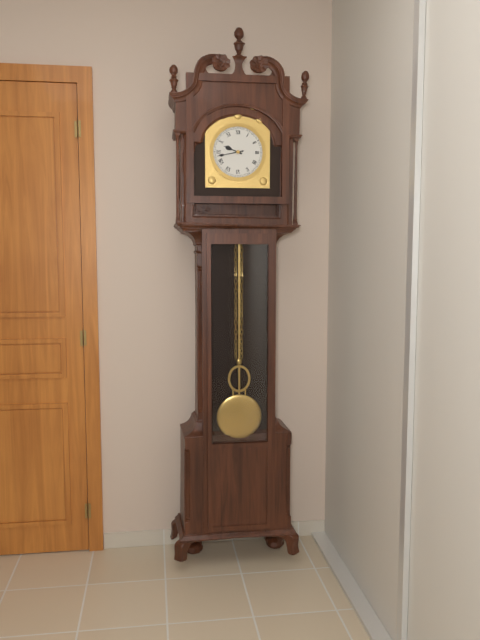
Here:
9,43
